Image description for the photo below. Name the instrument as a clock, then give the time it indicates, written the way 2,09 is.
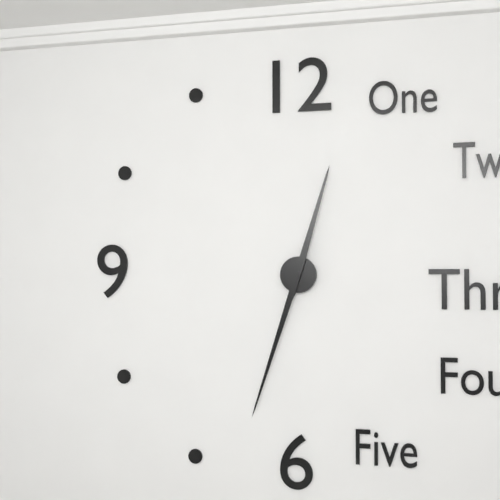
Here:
12,33
